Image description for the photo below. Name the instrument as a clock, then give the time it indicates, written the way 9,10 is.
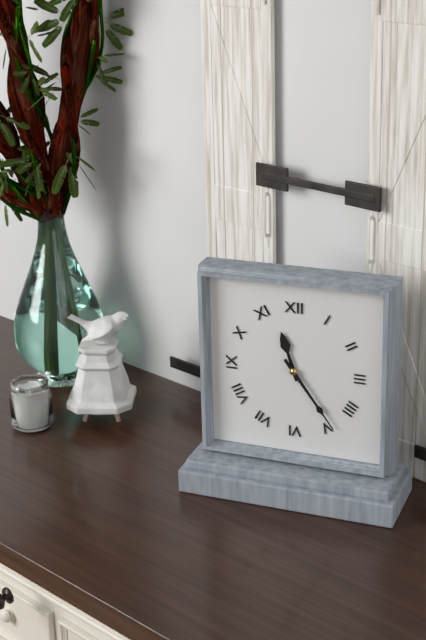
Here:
11,24
